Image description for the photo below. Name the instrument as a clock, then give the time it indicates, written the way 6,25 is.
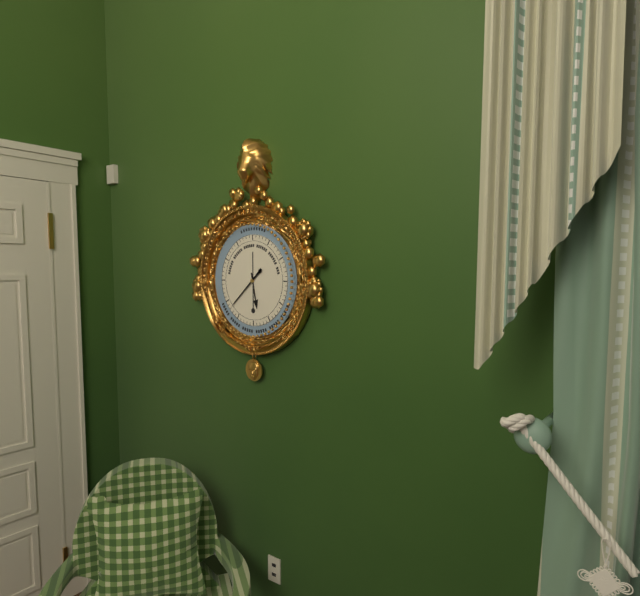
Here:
5,38
